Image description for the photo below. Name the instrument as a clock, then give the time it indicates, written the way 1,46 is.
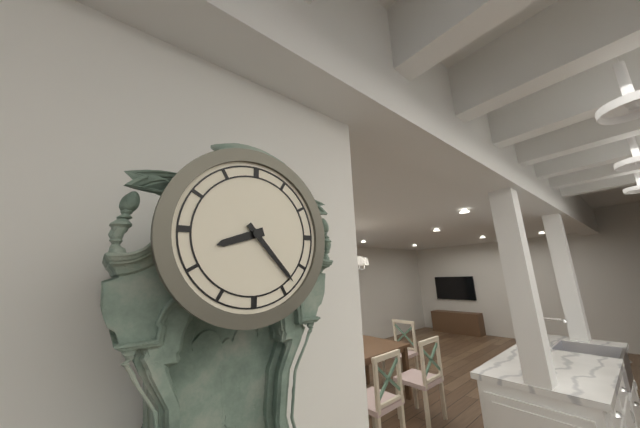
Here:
8,23
